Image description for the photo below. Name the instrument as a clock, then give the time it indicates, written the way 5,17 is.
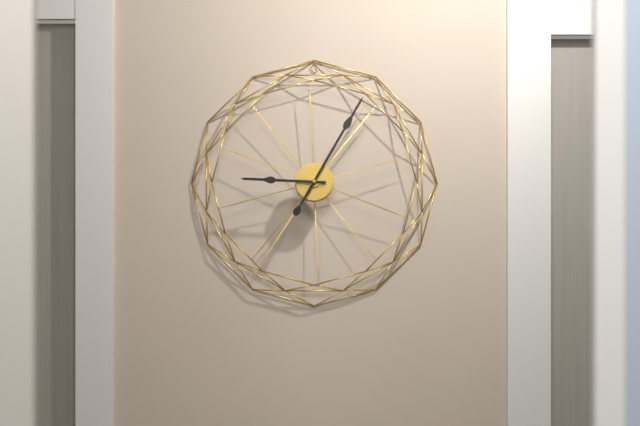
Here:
9,05
